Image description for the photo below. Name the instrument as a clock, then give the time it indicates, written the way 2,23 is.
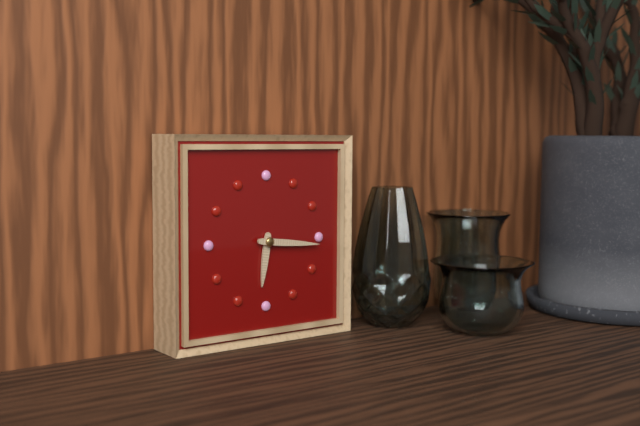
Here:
6,16
